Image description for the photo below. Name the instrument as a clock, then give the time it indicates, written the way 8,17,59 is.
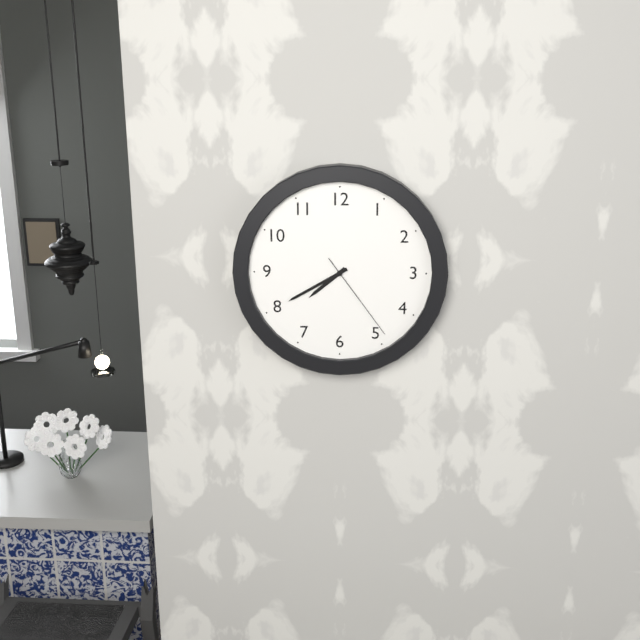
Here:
7,40,24
